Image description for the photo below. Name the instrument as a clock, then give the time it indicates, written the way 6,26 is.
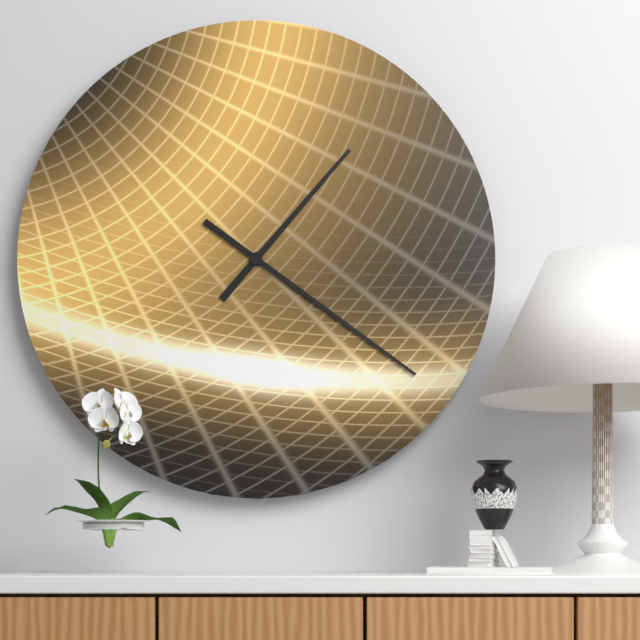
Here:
1,21
